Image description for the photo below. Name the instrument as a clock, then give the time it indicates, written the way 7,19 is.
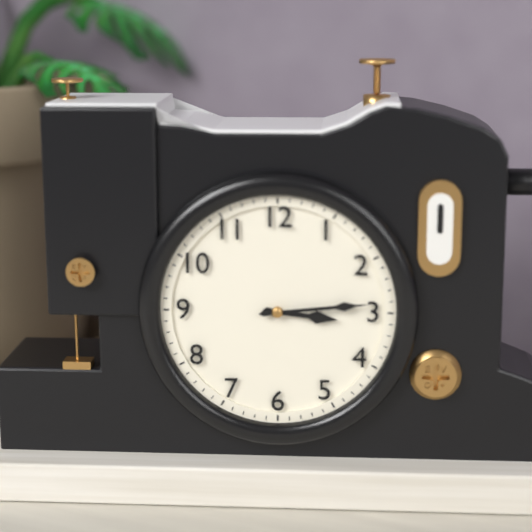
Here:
3,14
